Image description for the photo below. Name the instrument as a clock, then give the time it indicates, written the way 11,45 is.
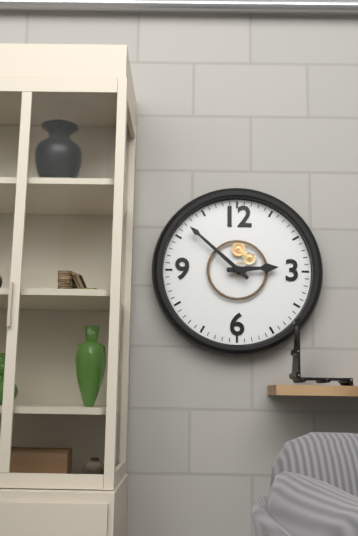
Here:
2,52
